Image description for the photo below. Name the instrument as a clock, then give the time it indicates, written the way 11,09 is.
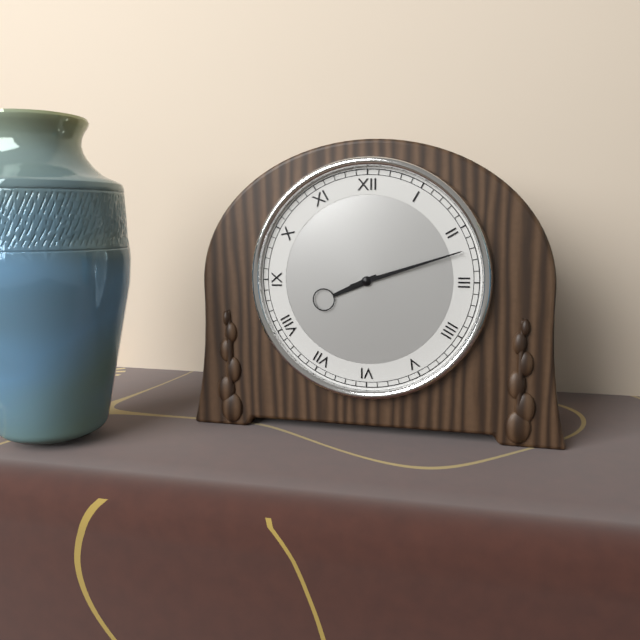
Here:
8,12
